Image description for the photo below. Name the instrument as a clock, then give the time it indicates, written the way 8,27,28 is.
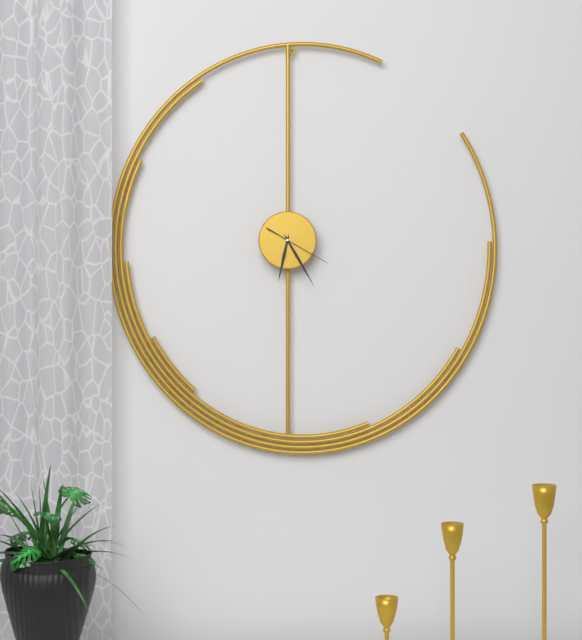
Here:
6,25,20
